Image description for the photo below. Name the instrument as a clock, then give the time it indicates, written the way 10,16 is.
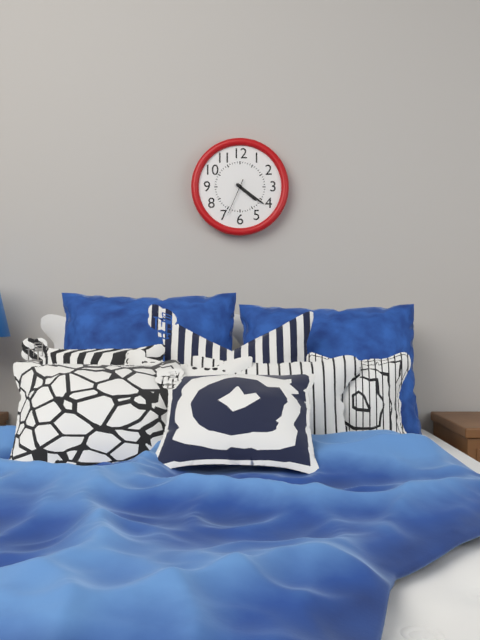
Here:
4,21
